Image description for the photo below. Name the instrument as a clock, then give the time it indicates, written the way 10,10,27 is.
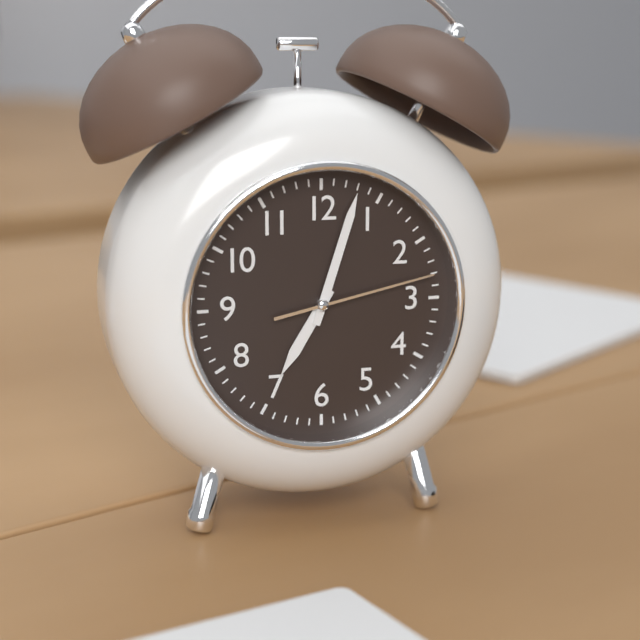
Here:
7,03,13
